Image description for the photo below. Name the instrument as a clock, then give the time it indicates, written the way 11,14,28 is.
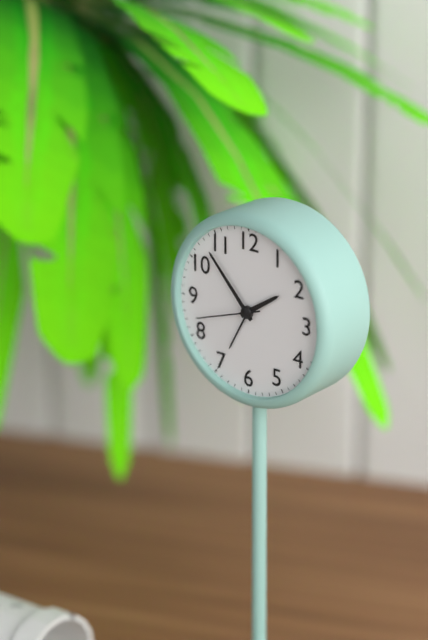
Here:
1,53,42
